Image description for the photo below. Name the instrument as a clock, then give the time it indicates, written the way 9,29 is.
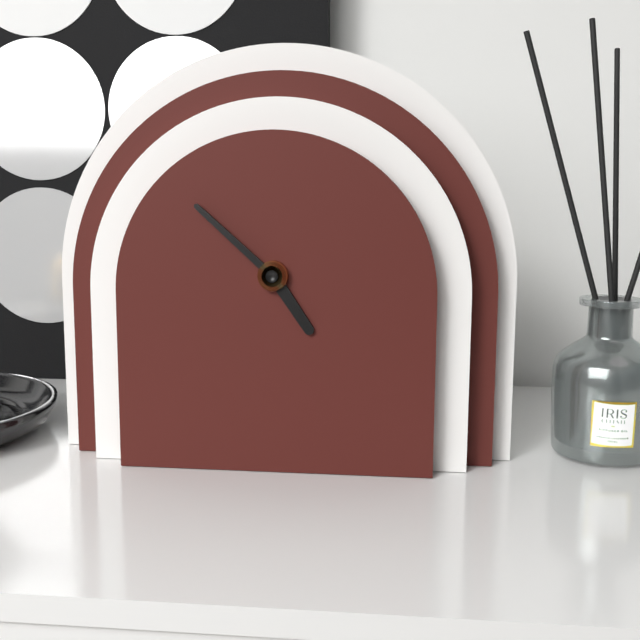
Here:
4,52
